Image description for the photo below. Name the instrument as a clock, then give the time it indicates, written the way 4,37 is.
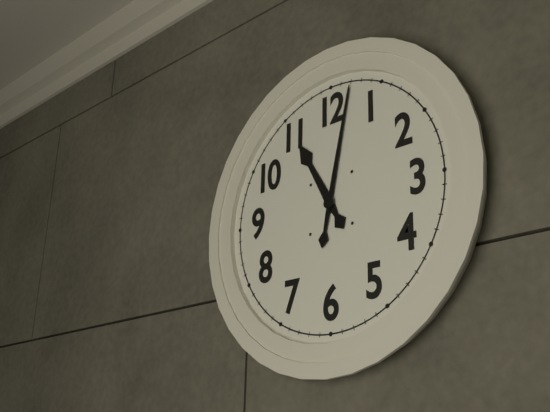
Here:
11,02
